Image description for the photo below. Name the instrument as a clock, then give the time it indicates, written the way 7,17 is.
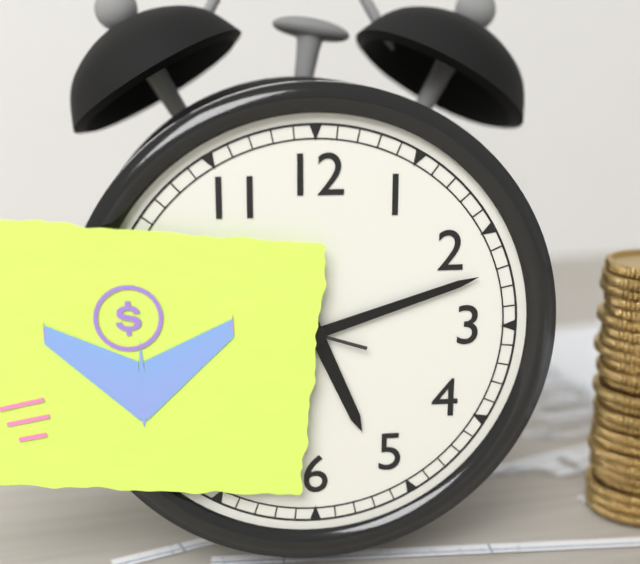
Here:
5,12
